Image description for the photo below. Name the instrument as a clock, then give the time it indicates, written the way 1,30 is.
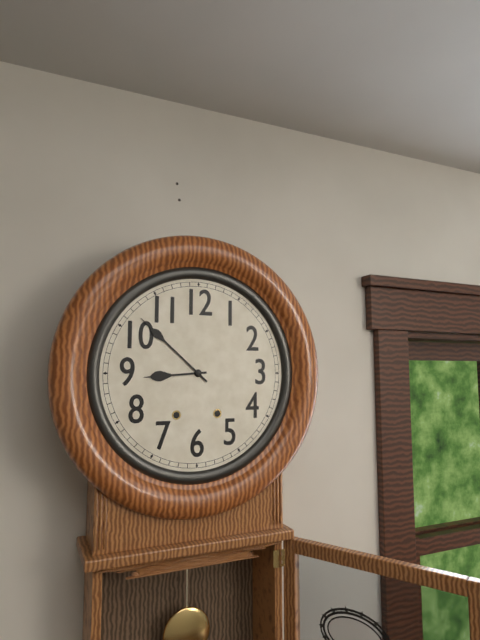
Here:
8,52
